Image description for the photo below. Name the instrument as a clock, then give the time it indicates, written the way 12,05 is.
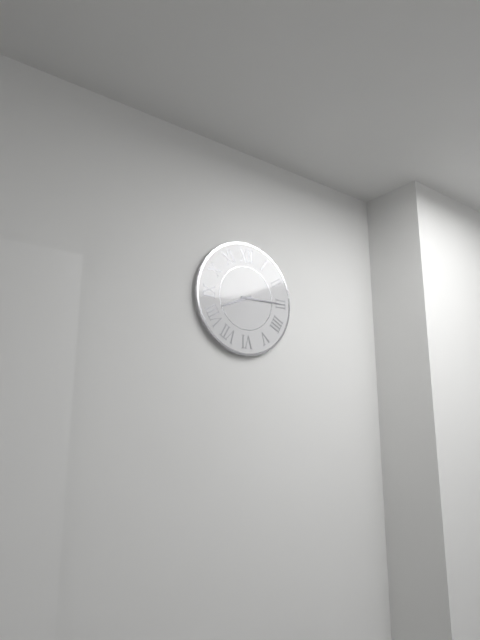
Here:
8,15
